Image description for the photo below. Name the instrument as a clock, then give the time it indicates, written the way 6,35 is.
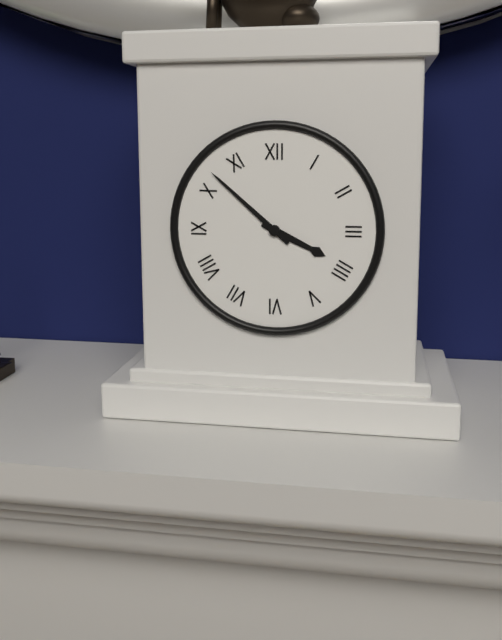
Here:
3,52
